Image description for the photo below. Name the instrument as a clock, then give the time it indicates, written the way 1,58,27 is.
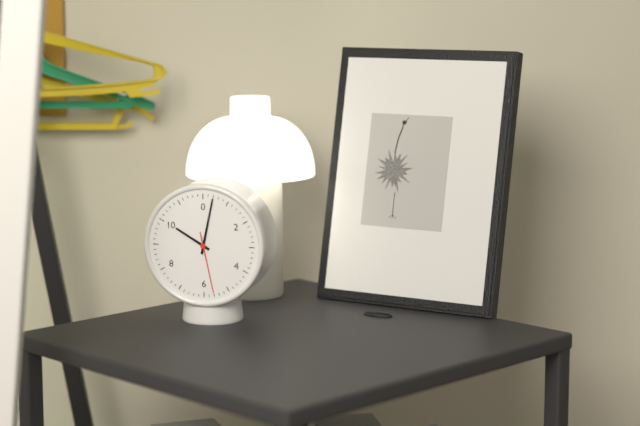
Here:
10,02,28
